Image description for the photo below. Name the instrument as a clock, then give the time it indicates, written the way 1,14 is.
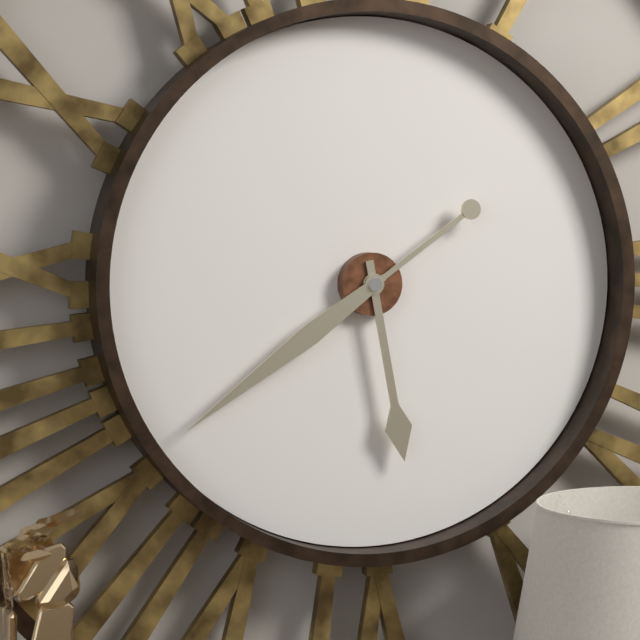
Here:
5,39
